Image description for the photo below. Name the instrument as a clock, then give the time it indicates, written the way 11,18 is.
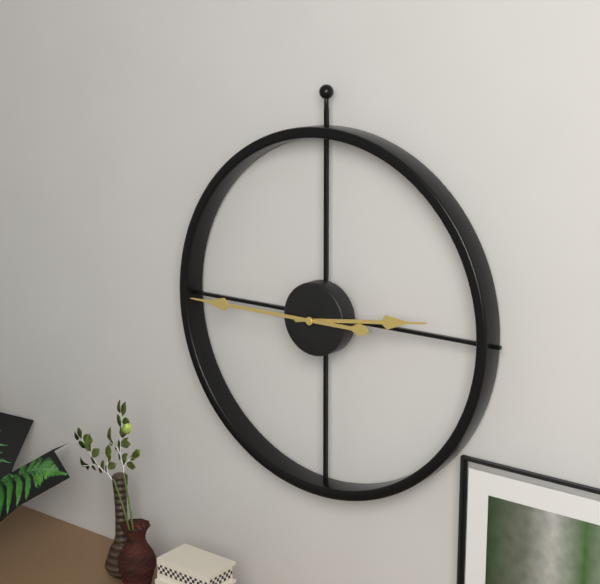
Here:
2,45
